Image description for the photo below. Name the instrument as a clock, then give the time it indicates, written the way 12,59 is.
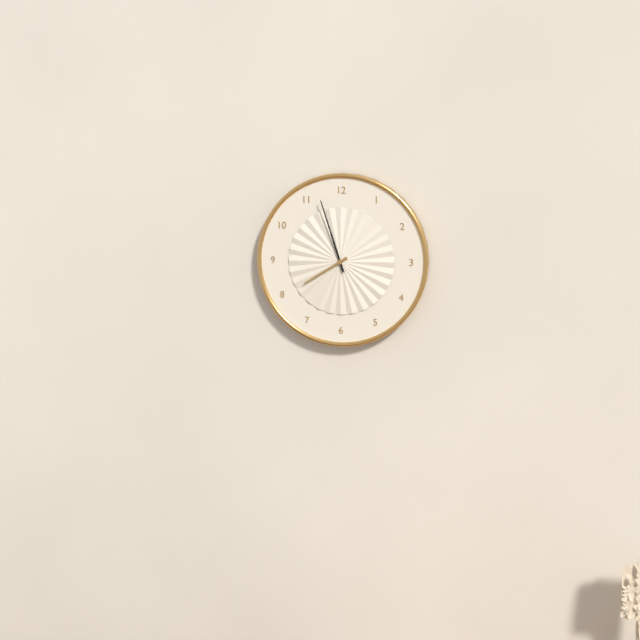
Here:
7,57
